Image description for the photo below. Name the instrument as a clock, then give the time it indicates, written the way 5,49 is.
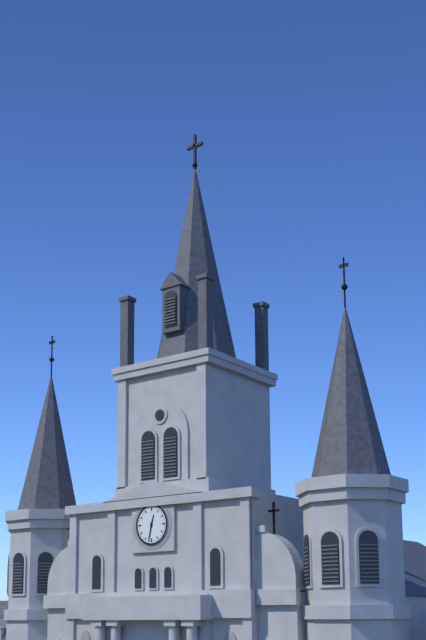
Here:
12,32
